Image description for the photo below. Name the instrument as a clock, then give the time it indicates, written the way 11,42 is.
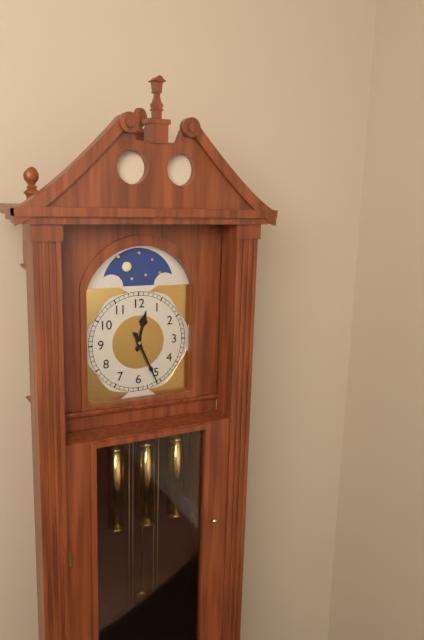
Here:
12,26
